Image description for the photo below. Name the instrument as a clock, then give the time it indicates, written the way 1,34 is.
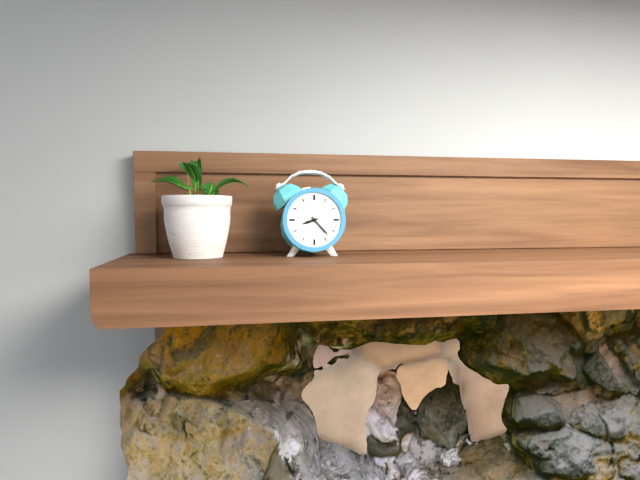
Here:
8,23
